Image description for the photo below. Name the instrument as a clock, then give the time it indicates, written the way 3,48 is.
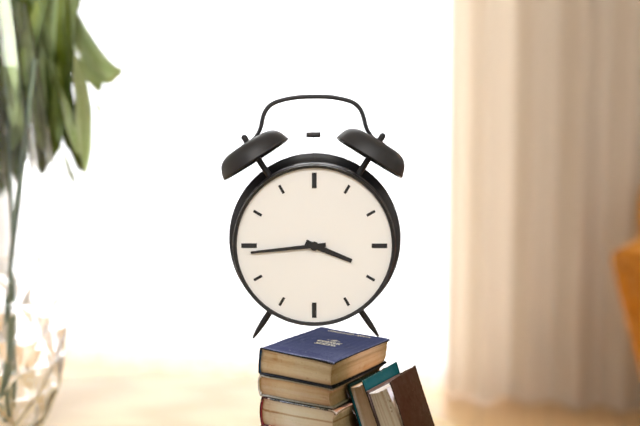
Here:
3,44
